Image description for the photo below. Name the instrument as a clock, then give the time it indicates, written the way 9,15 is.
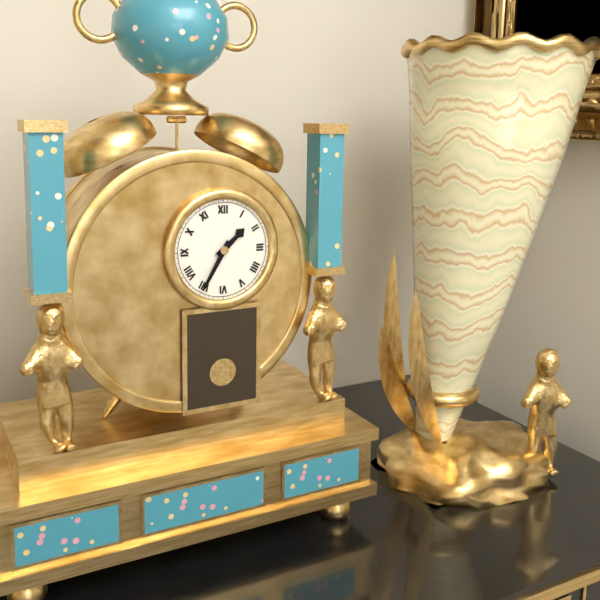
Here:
1,35
